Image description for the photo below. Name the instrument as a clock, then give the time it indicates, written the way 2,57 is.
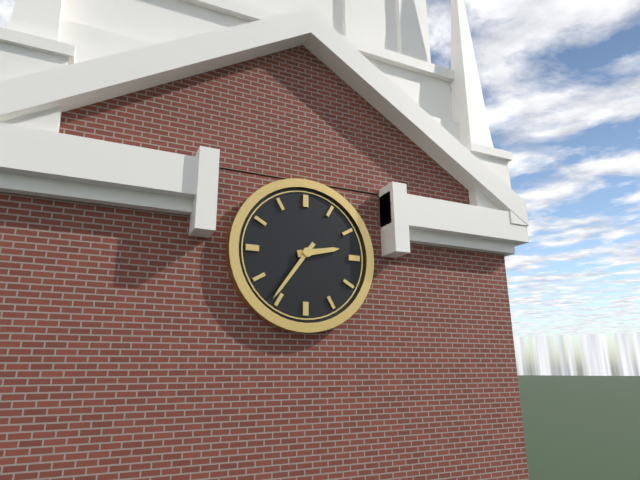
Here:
2,36
